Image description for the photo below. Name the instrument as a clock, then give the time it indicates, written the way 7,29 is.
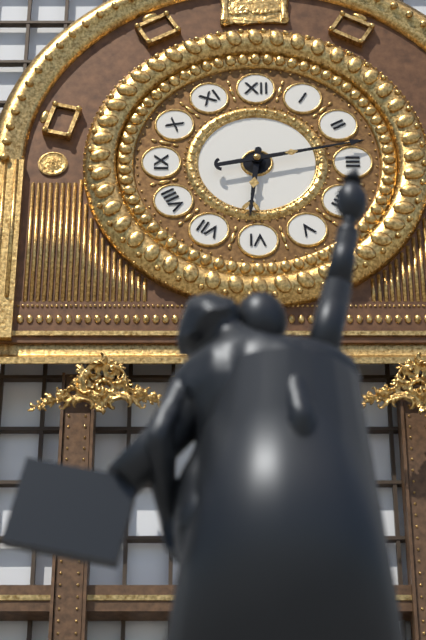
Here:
6,13
